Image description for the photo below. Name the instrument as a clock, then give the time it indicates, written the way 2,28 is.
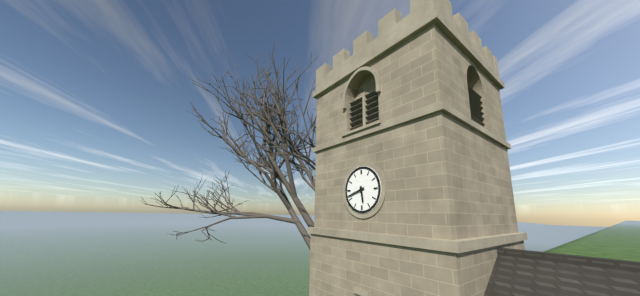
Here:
5,42
